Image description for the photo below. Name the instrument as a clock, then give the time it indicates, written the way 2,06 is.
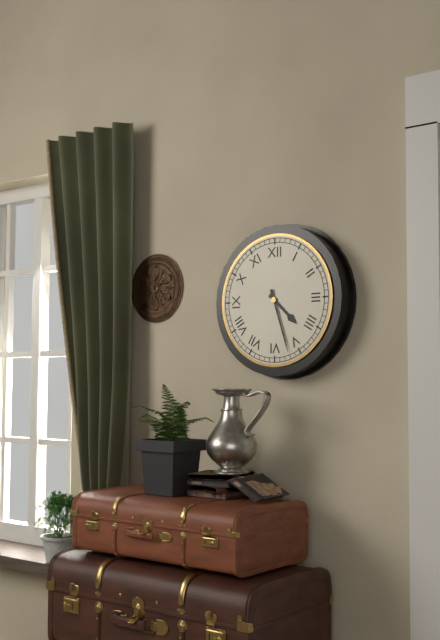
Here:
4,27
